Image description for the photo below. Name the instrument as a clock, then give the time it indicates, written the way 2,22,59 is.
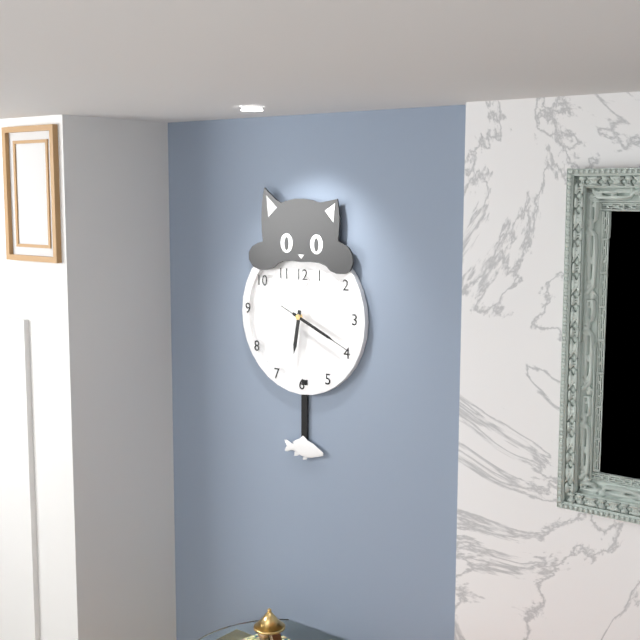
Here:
6,19,19
